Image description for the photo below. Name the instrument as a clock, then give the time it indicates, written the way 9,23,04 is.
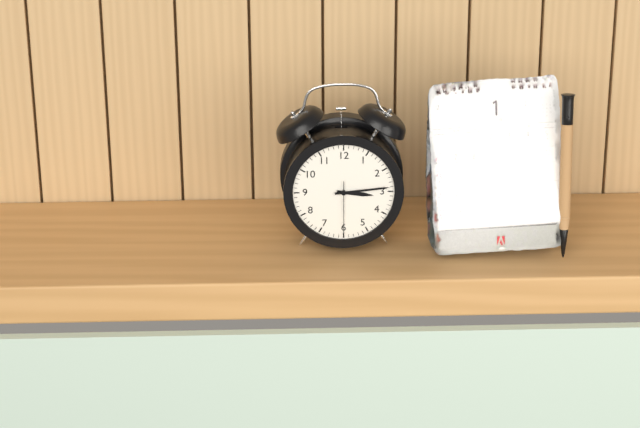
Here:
3,14,30
